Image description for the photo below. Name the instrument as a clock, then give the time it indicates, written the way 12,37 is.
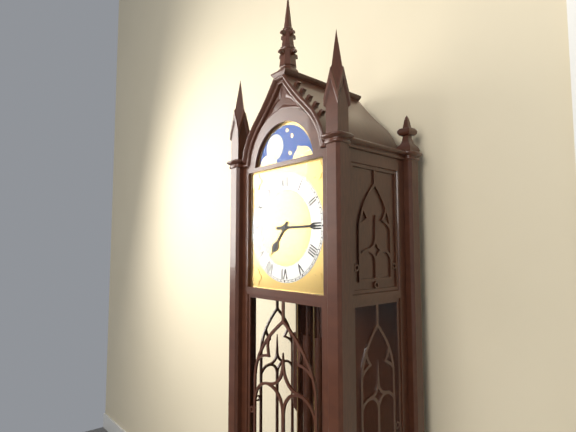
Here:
7,15
